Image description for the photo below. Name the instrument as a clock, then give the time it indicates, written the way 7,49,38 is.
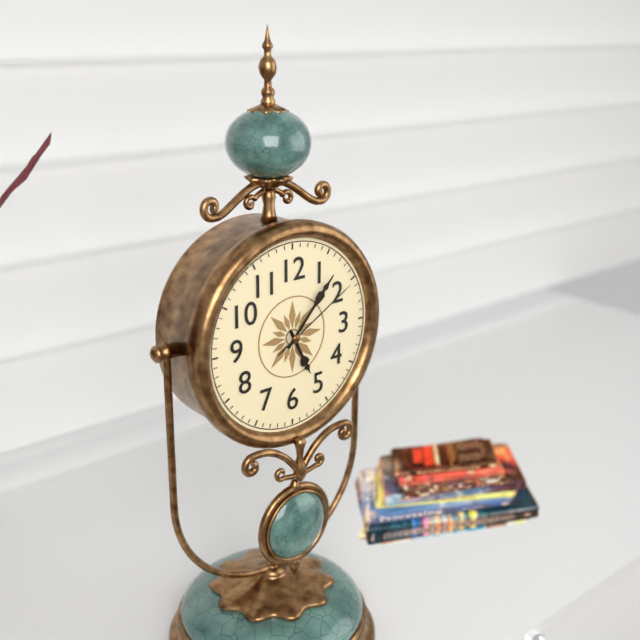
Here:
5,07,10
